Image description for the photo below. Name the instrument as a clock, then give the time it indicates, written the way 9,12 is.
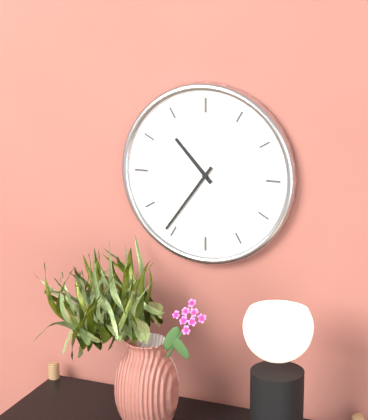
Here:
10,36
